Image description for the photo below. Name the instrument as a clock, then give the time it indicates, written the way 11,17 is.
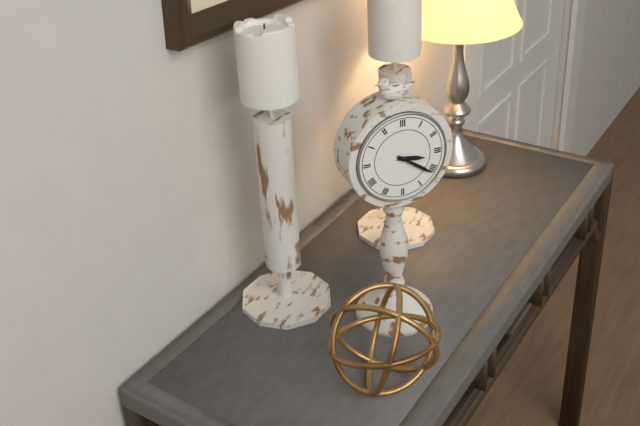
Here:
3,21
